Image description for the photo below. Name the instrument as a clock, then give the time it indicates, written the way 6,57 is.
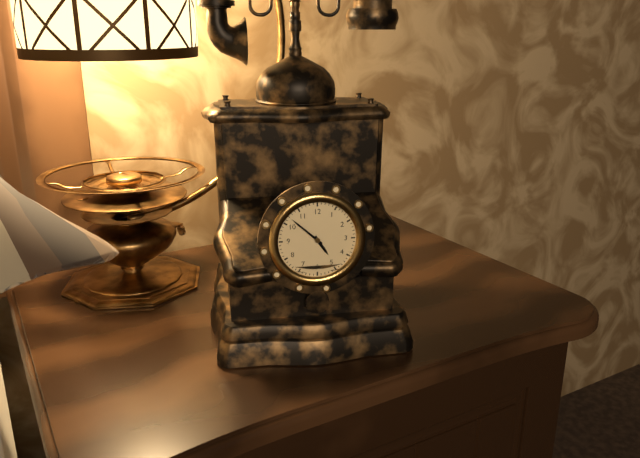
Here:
4,52
